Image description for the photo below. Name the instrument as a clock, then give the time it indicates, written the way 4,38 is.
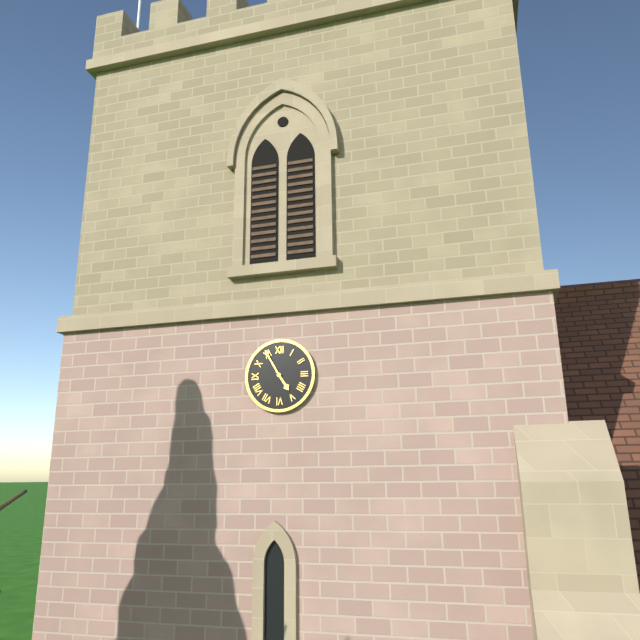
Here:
4,55
